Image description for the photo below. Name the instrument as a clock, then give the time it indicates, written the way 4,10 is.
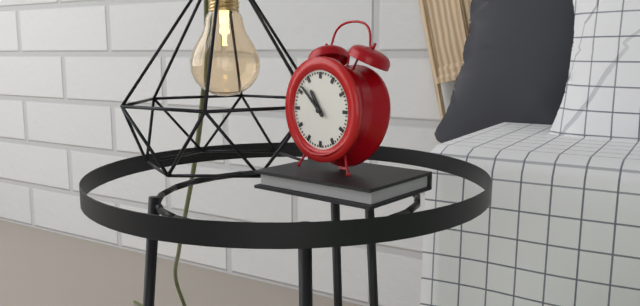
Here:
10,52
